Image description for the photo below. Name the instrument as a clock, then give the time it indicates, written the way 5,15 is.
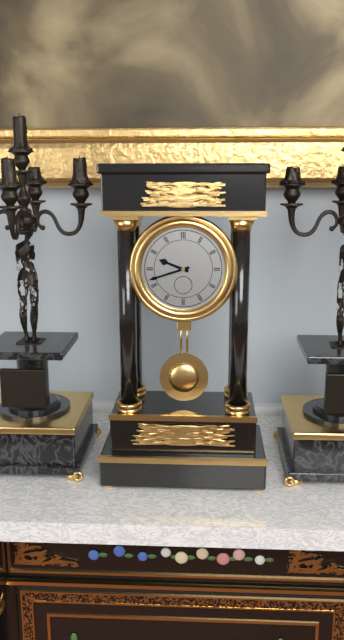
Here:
9,42
